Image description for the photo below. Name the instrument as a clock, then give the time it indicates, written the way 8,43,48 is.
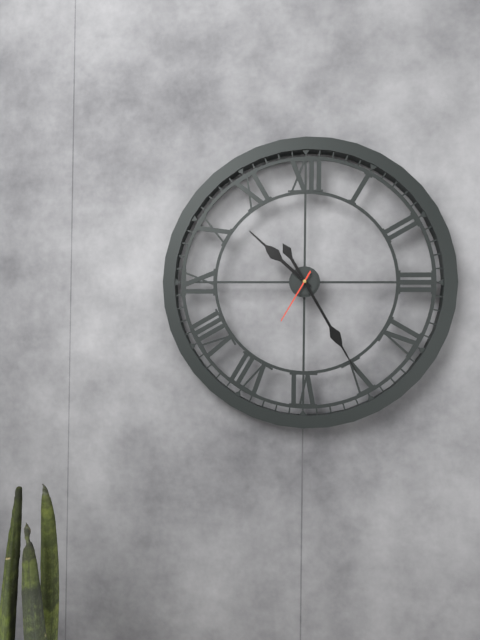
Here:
10,25,35
